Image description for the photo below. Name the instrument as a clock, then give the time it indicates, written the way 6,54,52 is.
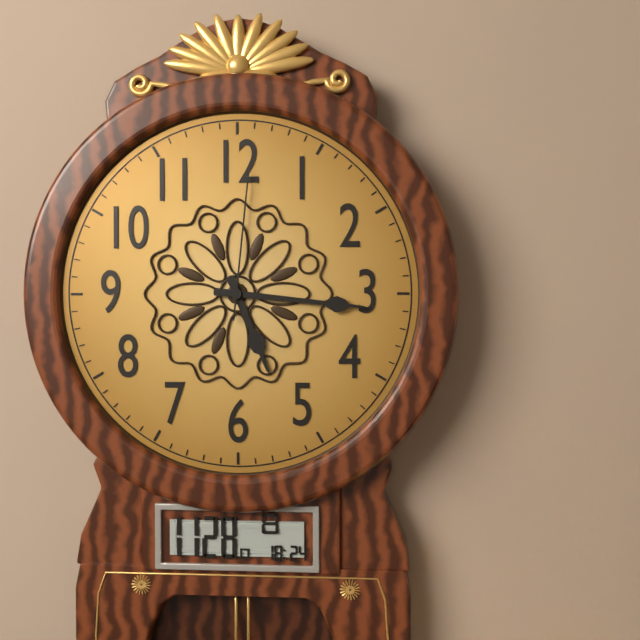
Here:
5,16,01
